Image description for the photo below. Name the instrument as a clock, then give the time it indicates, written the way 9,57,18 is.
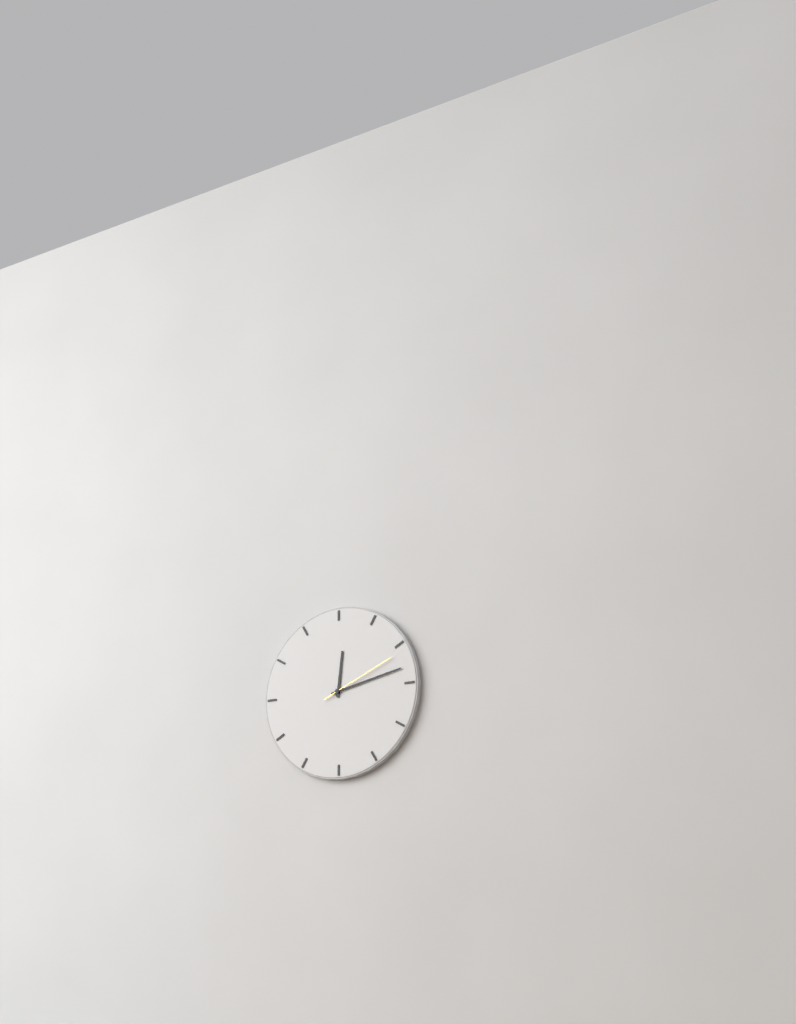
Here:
12,13,11
